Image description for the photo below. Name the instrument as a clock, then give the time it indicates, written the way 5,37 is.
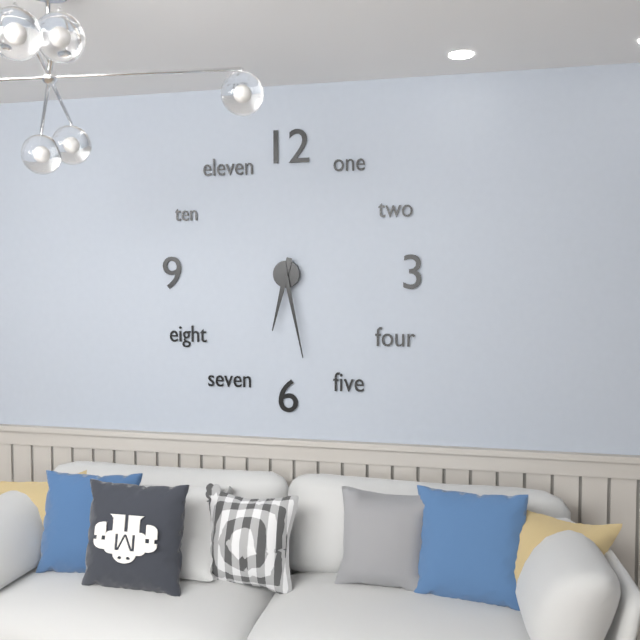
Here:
6,28
